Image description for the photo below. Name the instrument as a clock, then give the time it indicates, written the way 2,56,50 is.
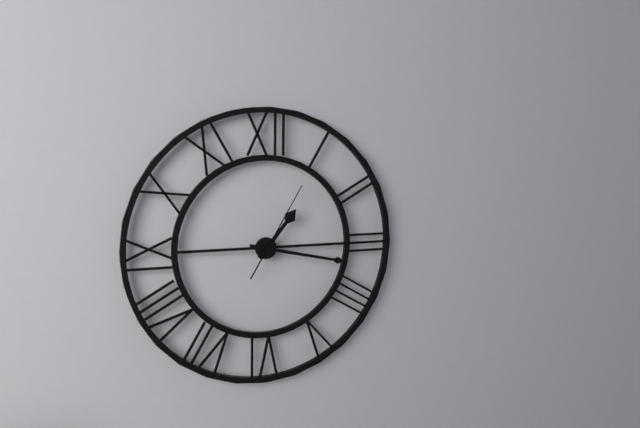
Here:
1,17,05
